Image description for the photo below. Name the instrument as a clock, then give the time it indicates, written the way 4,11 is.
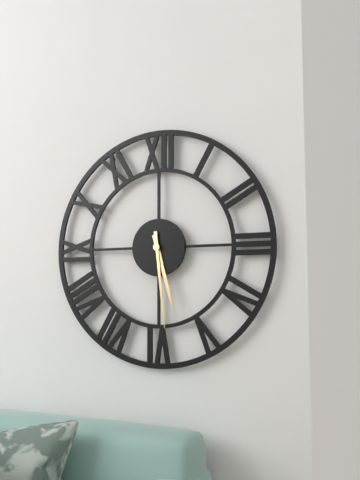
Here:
5,29
